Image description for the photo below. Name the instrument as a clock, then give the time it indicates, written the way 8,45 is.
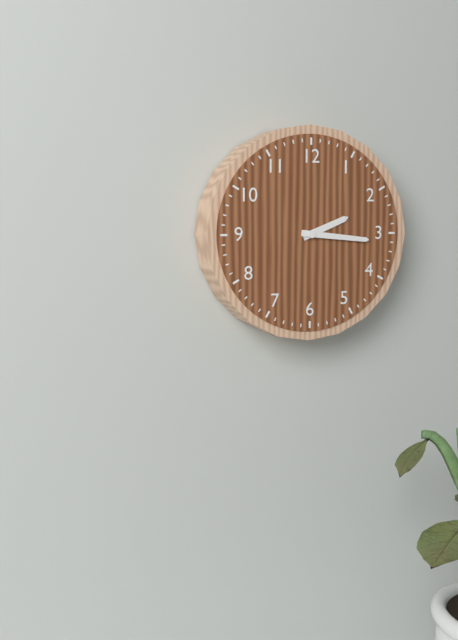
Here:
2,16
